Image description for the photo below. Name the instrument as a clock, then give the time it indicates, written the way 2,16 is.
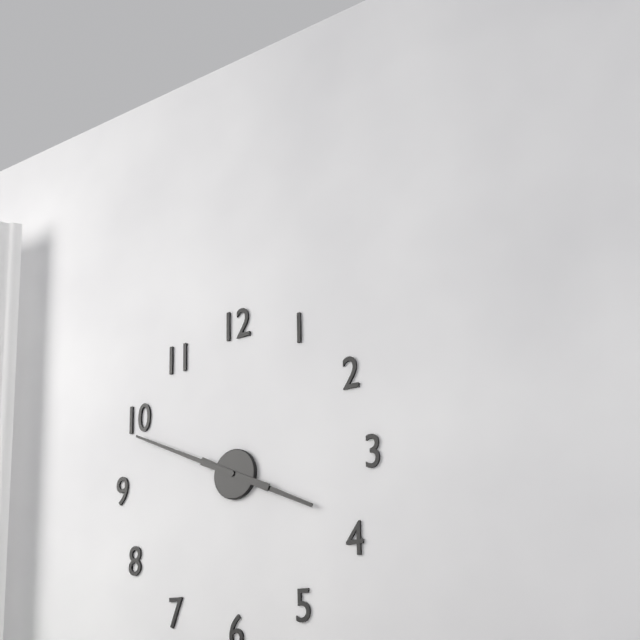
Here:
3,49
